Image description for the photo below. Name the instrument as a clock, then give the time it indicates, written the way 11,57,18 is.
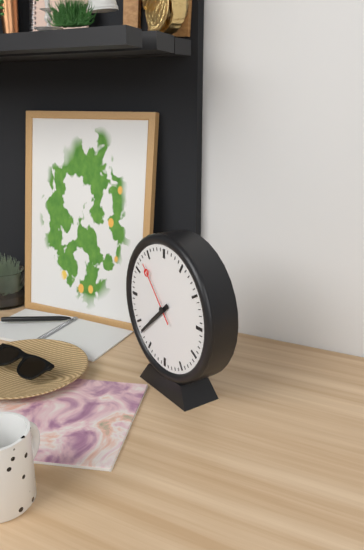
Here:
7,38,53
